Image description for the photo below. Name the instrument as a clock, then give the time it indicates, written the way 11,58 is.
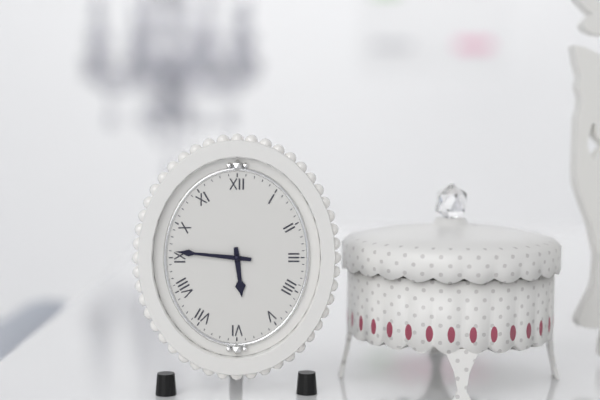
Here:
5,46
